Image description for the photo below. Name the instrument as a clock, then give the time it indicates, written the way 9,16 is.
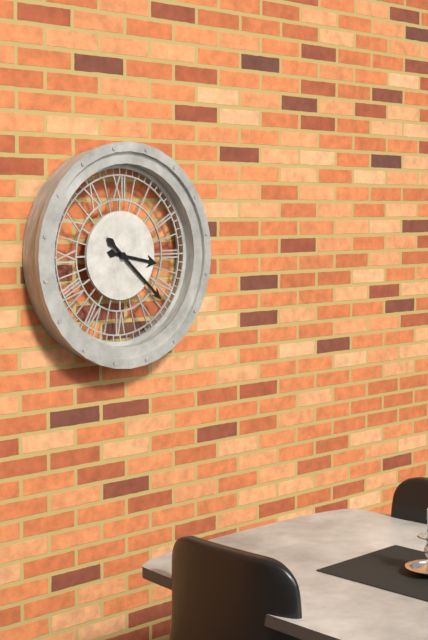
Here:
3,22
